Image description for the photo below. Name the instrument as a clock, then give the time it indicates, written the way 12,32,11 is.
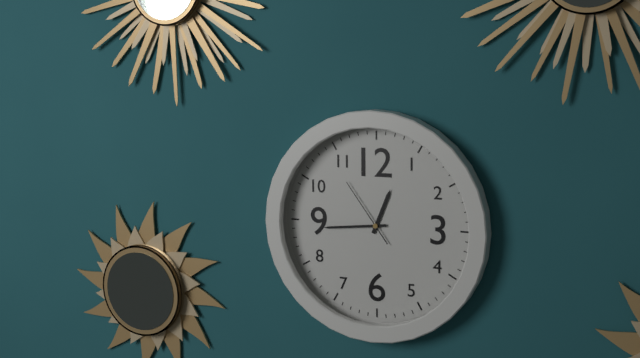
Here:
12,44,54
